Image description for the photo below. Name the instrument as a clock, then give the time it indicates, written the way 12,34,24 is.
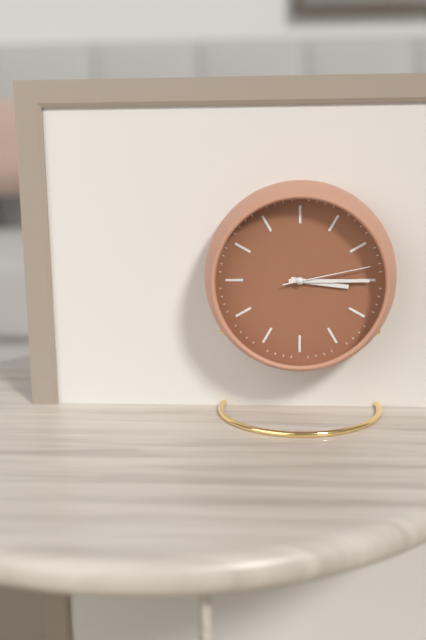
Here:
3,15,13
